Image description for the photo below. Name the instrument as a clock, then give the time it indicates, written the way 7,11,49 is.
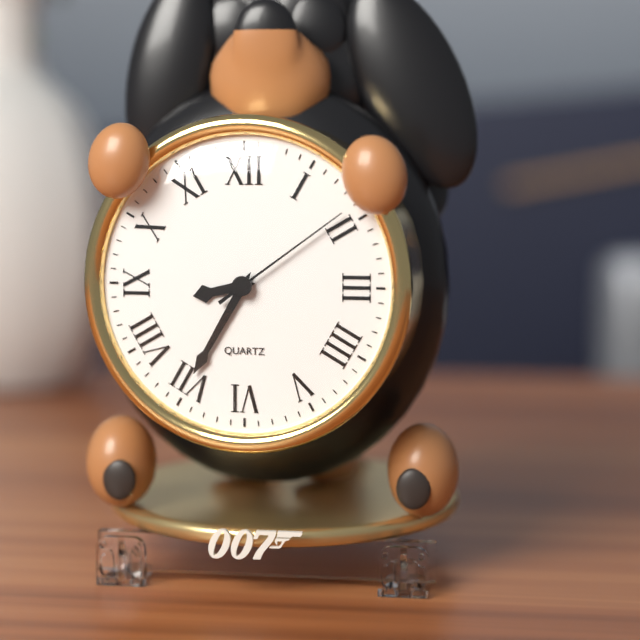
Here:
8,35,09
